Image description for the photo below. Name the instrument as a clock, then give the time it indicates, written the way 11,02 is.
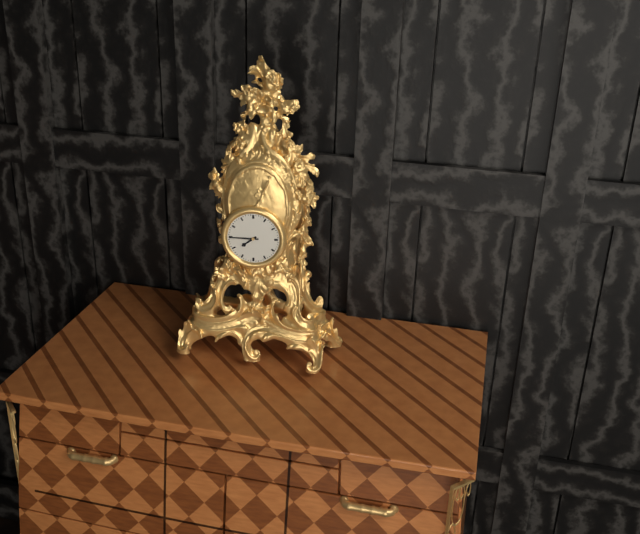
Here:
7,45
